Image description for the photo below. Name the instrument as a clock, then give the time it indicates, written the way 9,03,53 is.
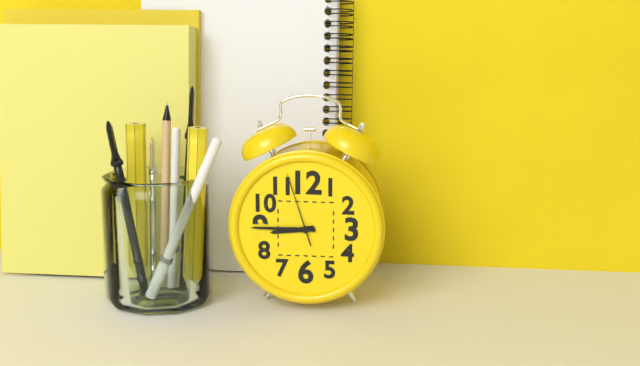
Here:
8,45,57
